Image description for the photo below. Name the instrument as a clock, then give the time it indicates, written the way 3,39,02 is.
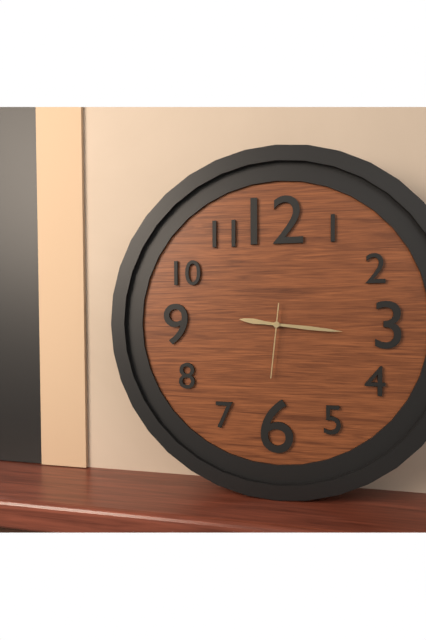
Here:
9,16,31
